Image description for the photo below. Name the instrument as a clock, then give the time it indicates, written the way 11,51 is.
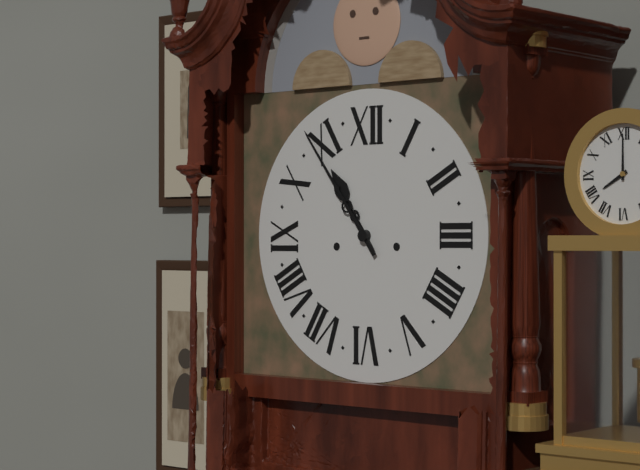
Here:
10,54
